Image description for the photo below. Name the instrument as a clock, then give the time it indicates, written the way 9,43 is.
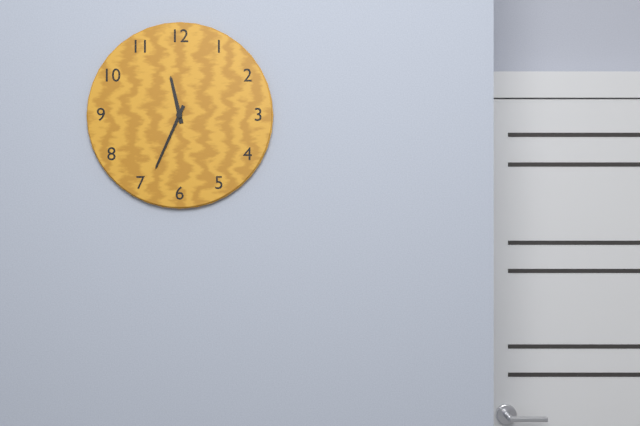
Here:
11,34
